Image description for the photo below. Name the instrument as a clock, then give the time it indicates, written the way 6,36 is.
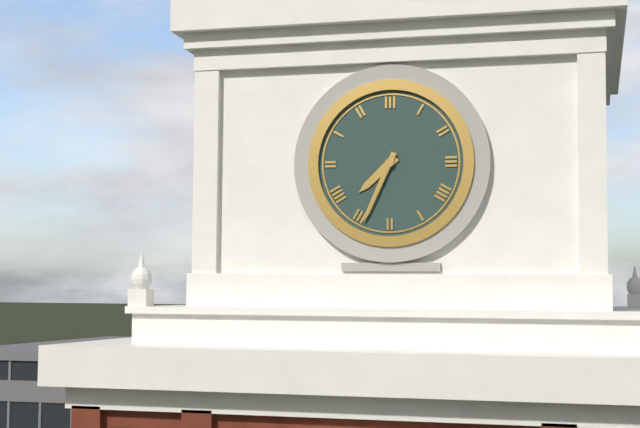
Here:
7,34
